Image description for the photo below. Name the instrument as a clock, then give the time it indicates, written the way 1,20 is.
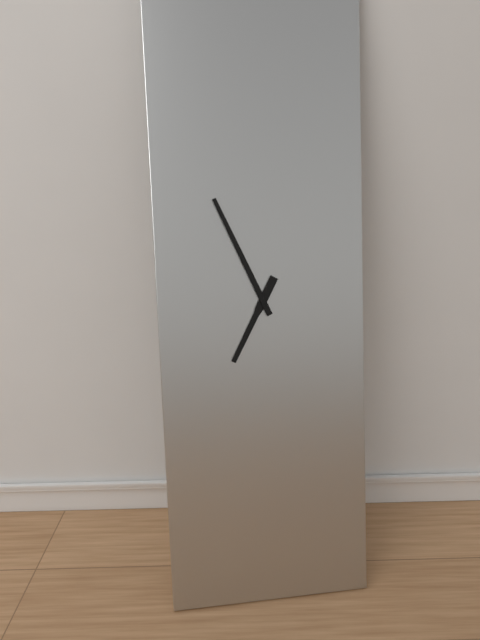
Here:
6,56
